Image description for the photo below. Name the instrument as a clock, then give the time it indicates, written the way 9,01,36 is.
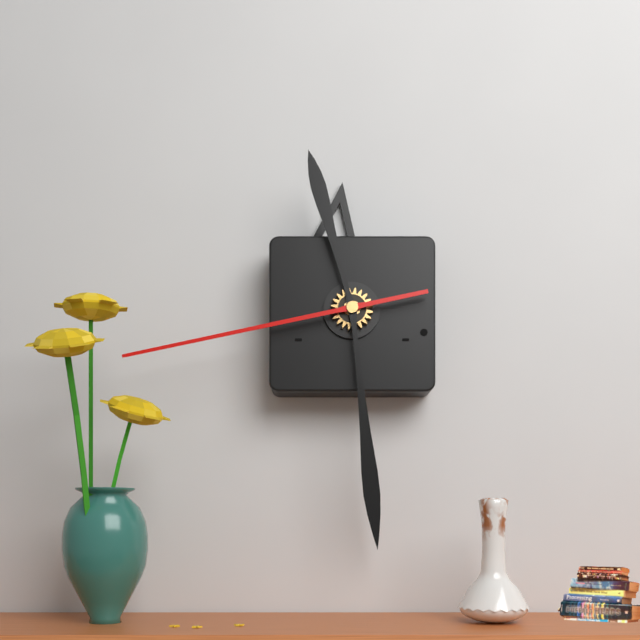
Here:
11,29,43
